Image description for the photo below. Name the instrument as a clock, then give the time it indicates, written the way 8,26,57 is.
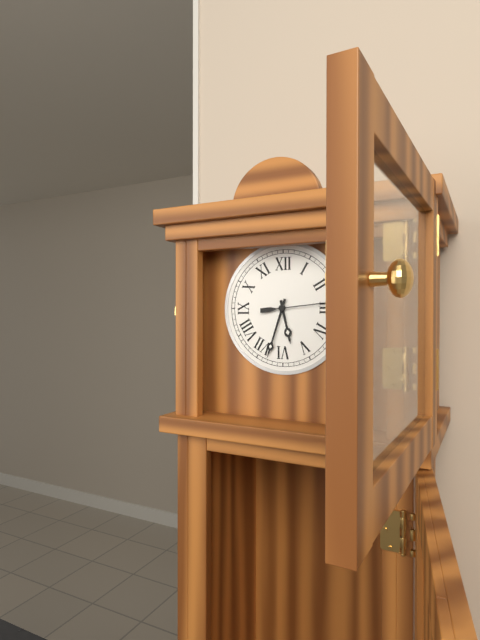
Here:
5,33,14
